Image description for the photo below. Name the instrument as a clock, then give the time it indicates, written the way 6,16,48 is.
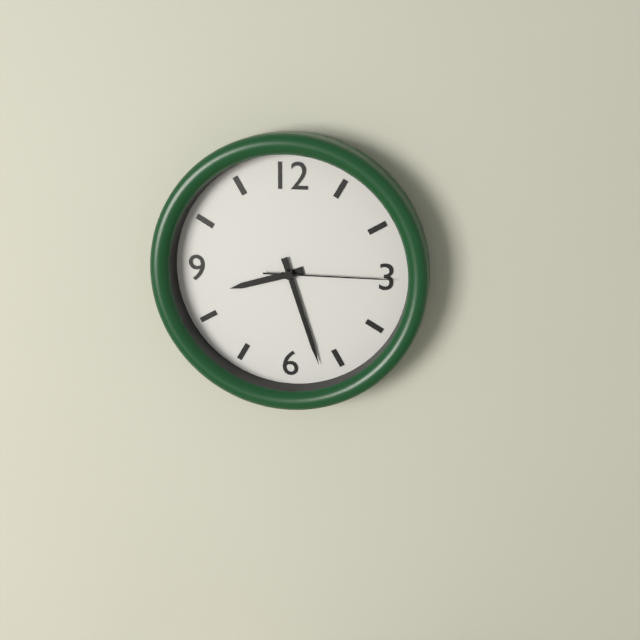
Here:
8,27,15
